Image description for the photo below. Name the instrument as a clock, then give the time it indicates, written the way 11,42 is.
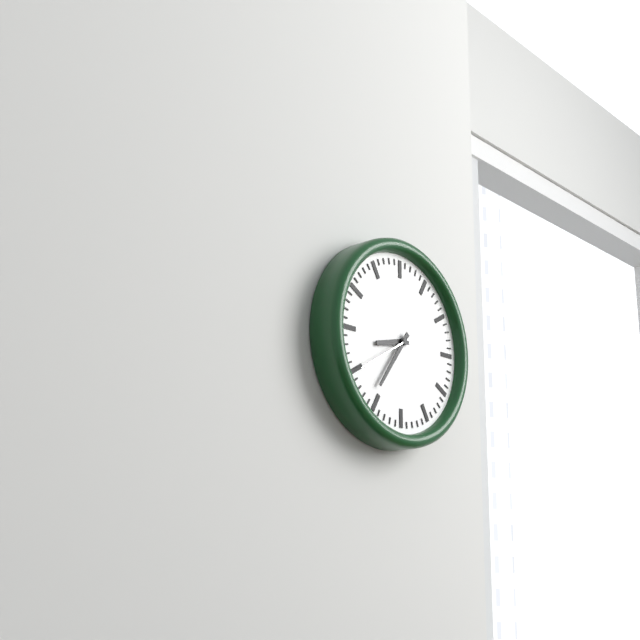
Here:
8,36
